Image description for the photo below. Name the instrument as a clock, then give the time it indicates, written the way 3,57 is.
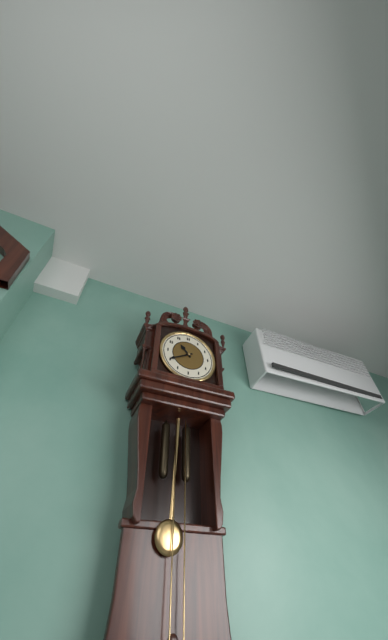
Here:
10,40
